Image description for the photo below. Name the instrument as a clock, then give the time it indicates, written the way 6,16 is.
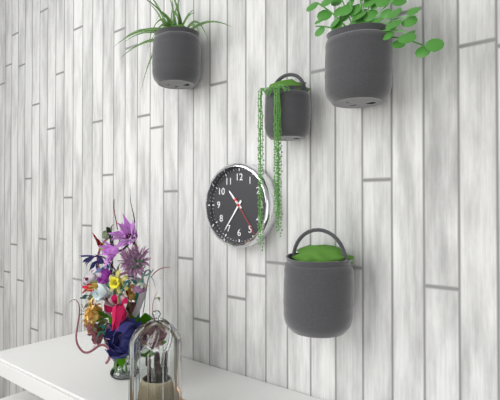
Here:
10,36
